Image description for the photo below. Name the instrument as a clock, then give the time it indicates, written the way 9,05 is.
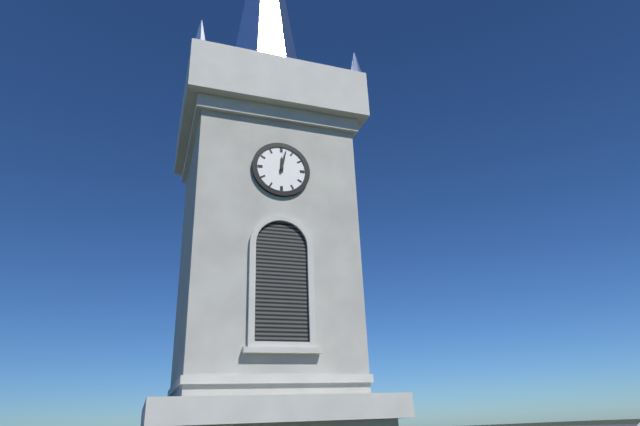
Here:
12,02
